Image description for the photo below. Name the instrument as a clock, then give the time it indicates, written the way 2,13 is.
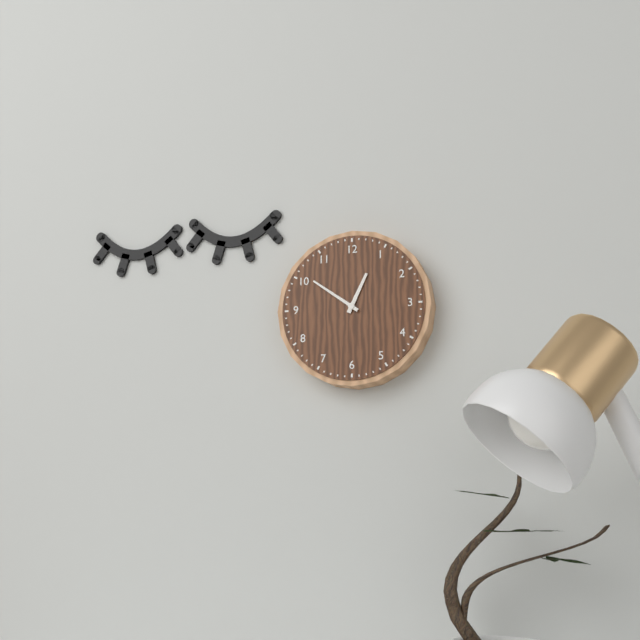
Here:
12,51
